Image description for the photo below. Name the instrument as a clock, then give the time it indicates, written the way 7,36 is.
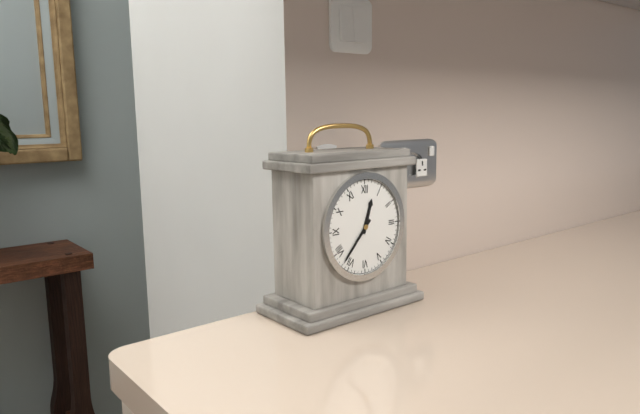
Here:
12,37
